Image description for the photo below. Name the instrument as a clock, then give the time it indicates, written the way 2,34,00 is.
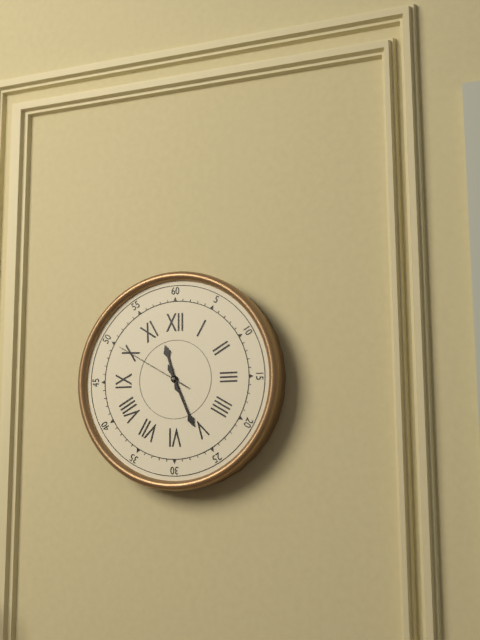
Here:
11,26,50
